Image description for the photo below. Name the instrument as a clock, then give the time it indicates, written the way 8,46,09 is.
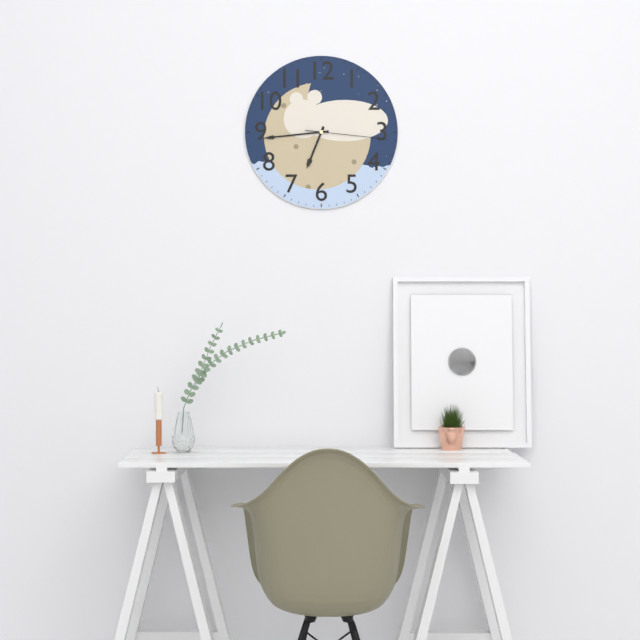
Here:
6,44,16
